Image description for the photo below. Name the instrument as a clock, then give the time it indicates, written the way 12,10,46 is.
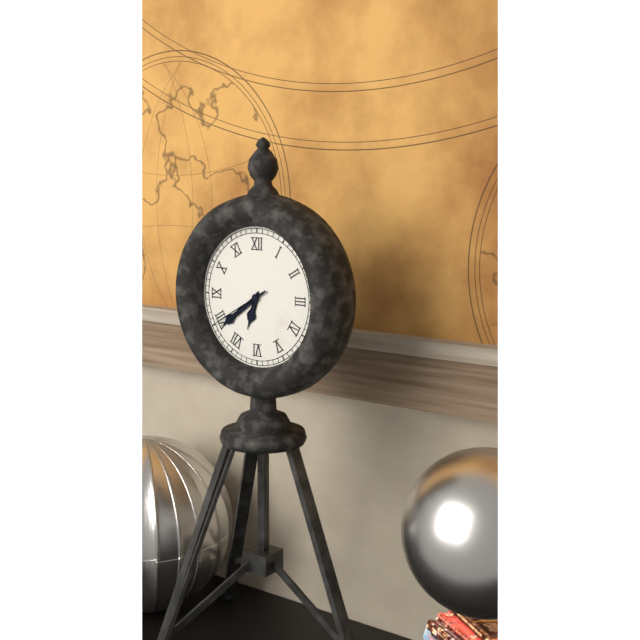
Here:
6,39,40
